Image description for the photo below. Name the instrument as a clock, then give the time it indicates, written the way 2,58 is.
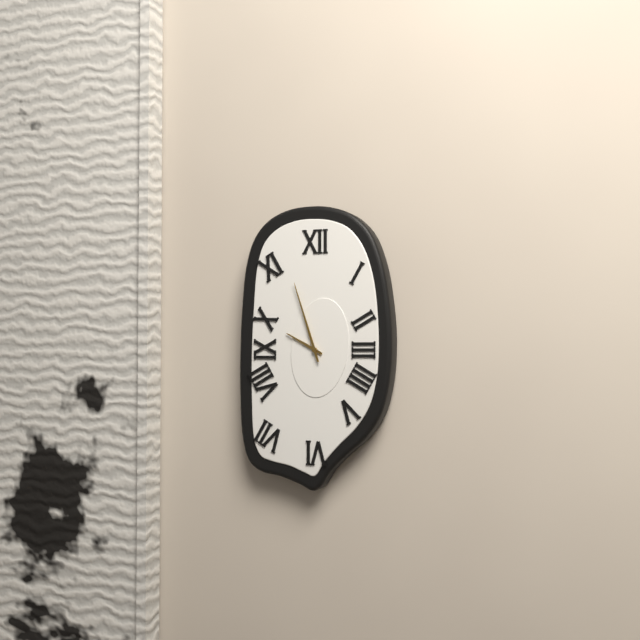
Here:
9,57
